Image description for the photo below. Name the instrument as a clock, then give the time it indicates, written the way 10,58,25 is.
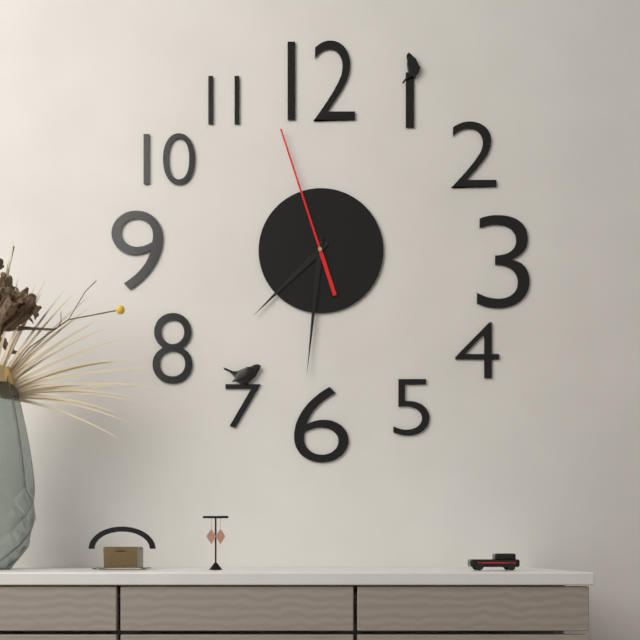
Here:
7,31,57
